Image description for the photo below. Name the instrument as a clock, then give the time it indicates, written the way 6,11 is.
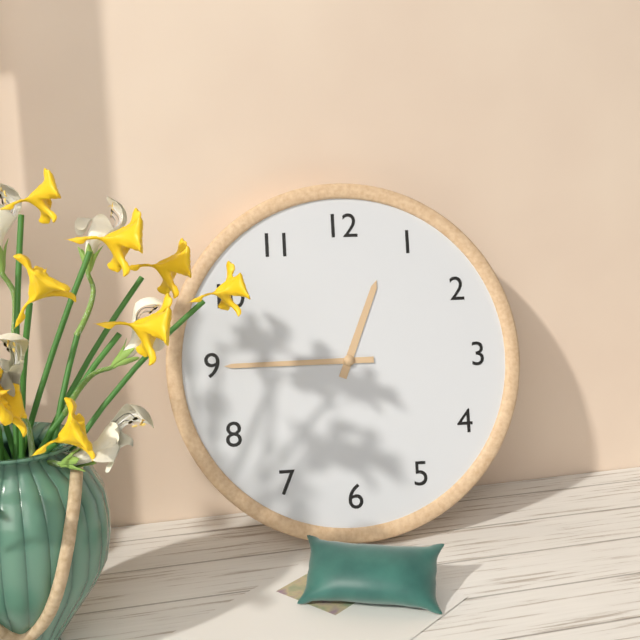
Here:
12,45
